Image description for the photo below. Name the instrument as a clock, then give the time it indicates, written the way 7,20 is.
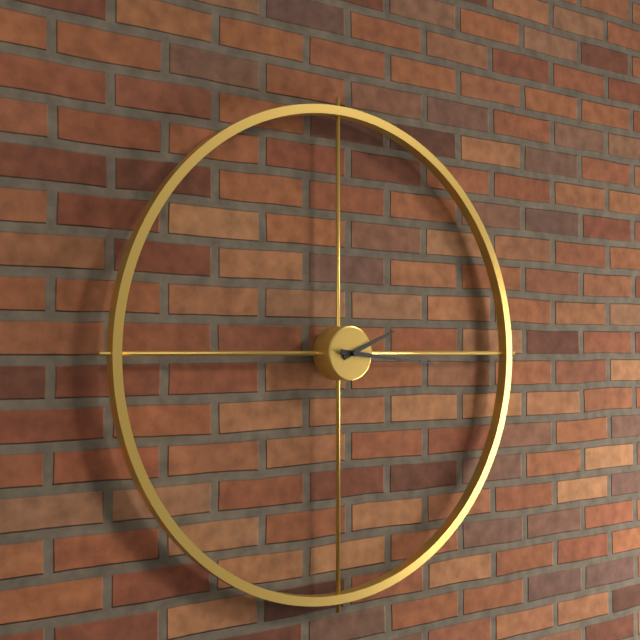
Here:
2,16
